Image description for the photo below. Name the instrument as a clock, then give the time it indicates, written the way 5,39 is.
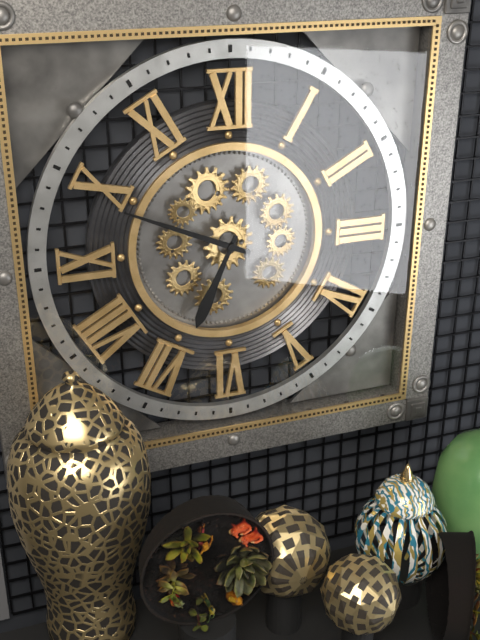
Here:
6,49
